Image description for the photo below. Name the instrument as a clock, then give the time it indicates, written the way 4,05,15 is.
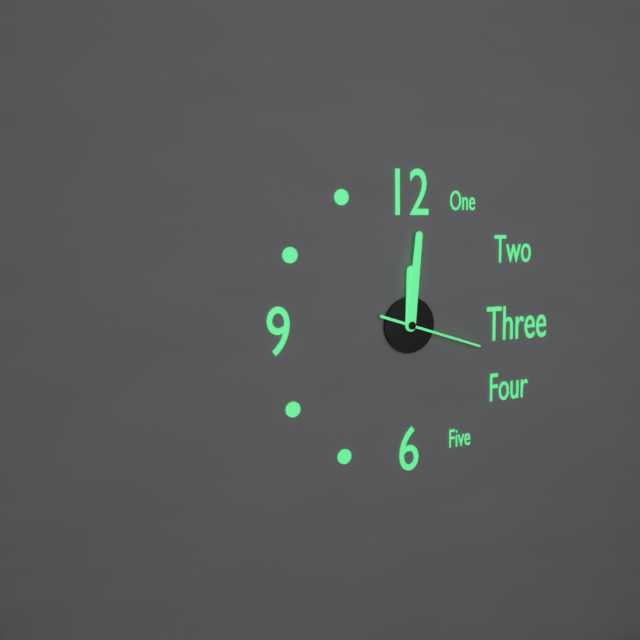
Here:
12,01,18
